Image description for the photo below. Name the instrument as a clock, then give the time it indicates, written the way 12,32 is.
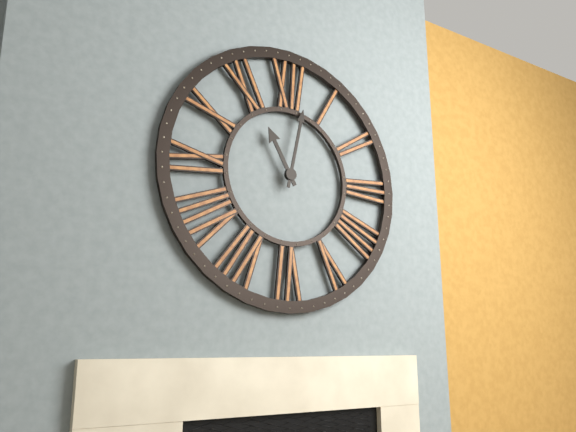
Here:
11,02
